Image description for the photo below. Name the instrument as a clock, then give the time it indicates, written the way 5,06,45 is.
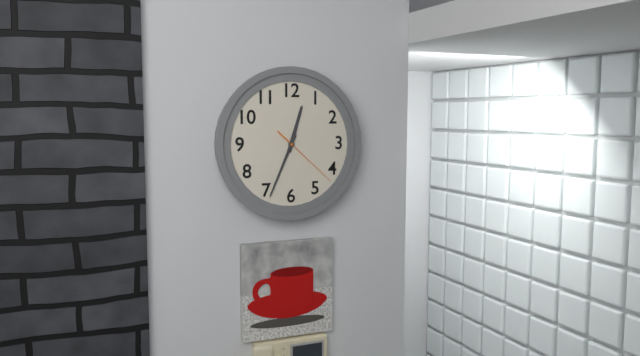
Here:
12,34,22
